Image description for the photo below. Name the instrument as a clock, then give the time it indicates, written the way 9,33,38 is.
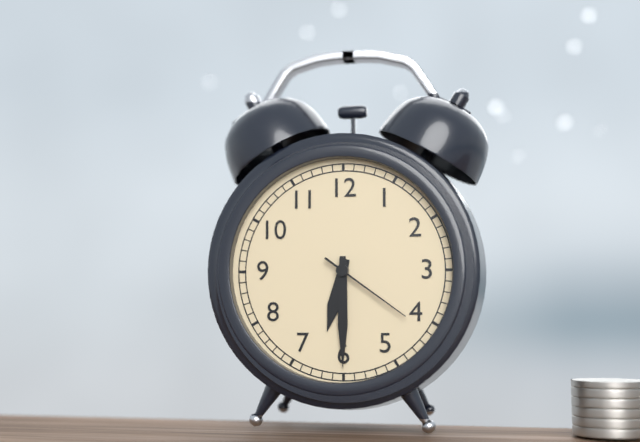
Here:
6,30,21
